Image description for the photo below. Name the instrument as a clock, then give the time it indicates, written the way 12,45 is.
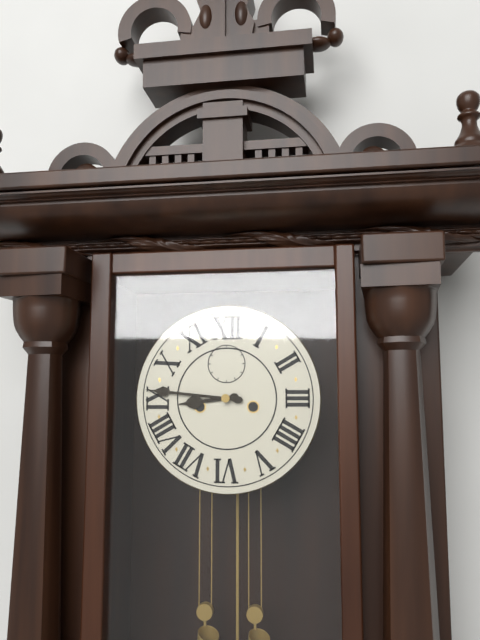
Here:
8,46
